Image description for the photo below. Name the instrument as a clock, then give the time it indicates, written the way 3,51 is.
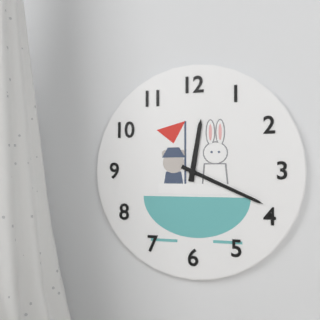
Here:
12,19
